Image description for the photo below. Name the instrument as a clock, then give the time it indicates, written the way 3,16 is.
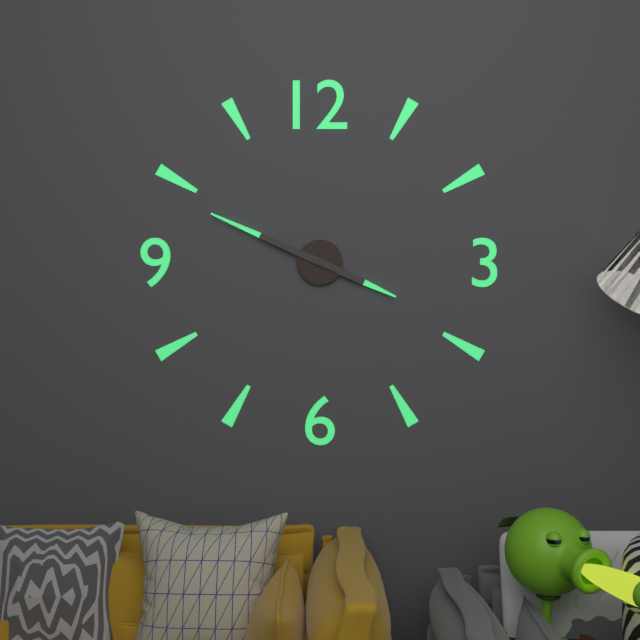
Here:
3,49
